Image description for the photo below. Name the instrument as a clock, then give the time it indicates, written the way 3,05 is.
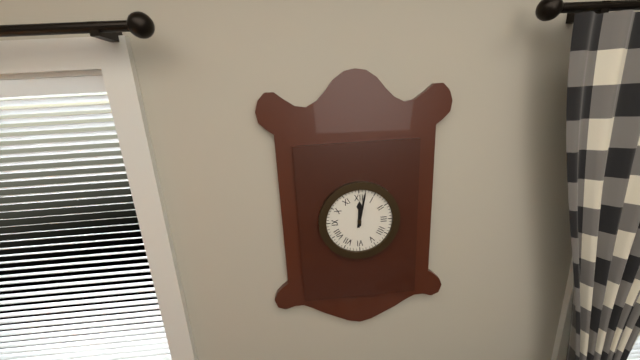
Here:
12,02
